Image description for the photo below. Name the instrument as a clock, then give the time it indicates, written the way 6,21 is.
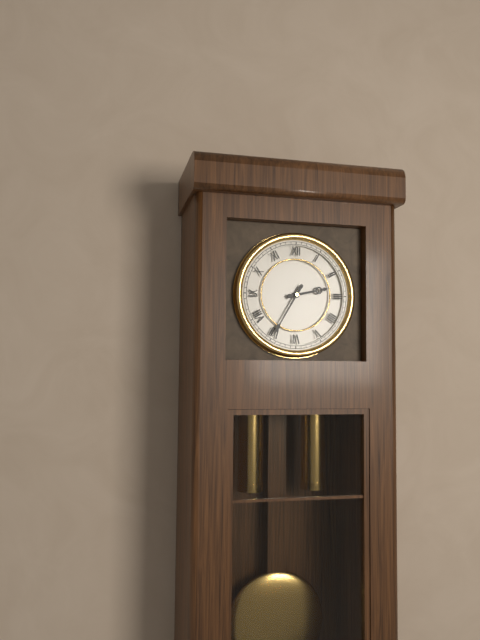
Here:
2,35
